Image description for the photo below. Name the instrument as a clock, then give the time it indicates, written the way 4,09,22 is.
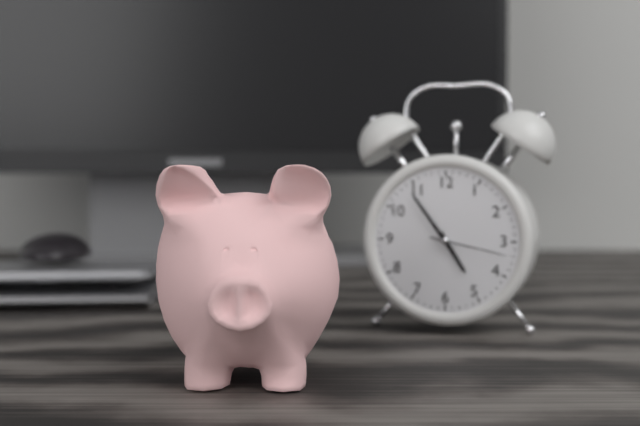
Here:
4,54,17
